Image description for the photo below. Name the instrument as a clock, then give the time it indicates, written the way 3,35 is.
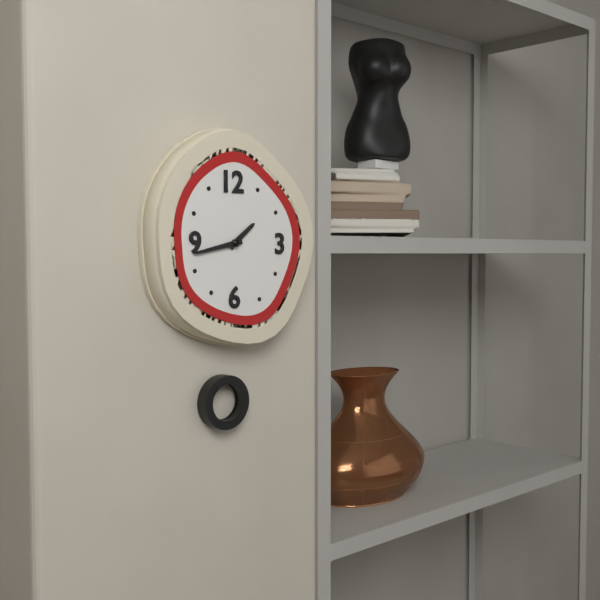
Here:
1,43
